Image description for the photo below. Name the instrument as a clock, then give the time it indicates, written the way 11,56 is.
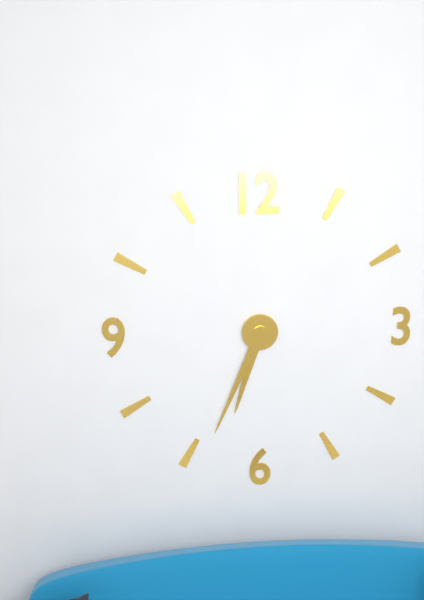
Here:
6,34
